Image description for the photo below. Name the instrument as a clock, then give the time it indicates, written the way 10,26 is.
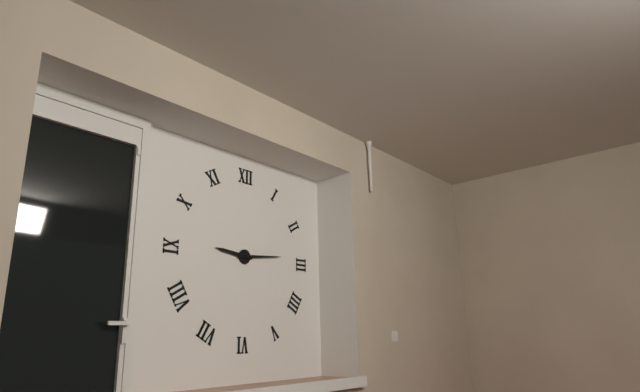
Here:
9,14
